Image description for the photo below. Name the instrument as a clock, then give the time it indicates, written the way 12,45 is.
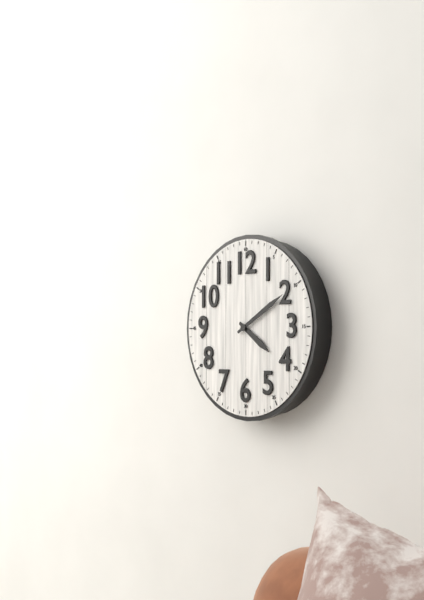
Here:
4,10
